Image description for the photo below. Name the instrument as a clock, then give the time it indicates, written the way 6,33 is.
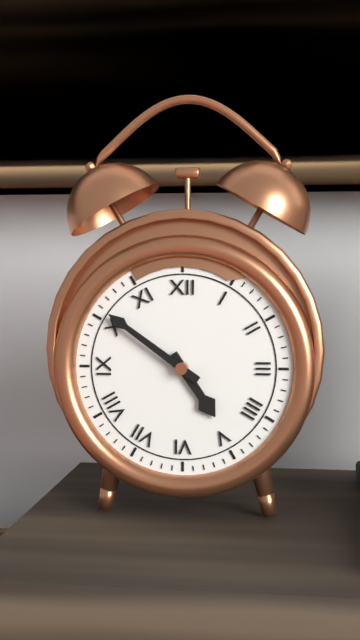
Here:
4,51
